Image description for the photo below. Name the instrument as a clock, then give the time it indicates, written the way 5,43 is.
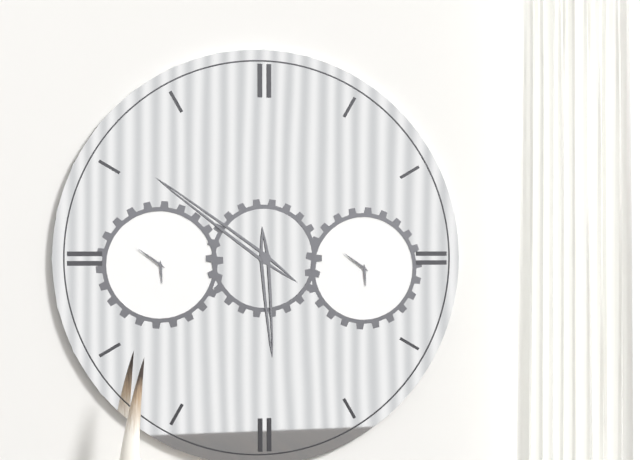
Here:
5,51
